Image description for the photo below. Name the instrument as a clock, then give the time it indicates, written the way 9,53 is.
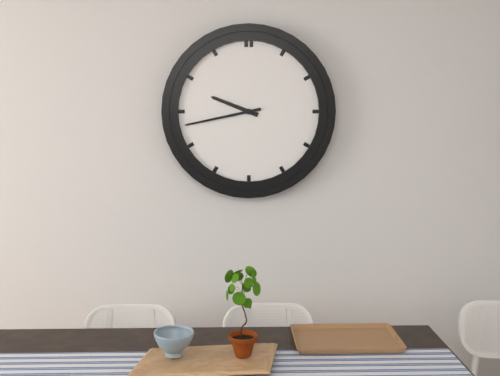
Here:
9,43
